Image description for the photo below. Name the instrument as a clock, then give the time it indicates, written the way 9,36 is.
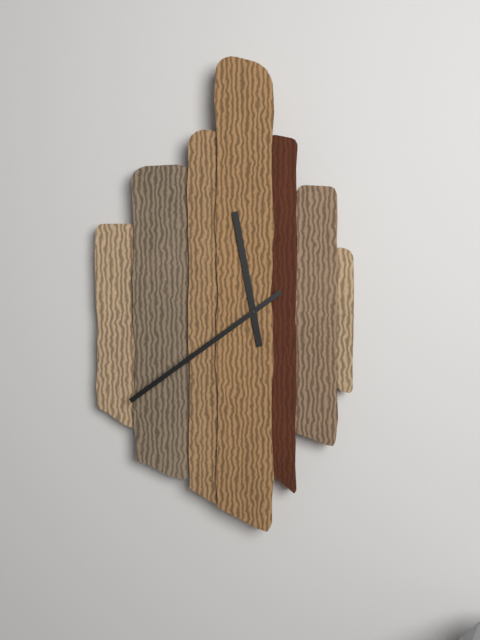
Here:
11,39
